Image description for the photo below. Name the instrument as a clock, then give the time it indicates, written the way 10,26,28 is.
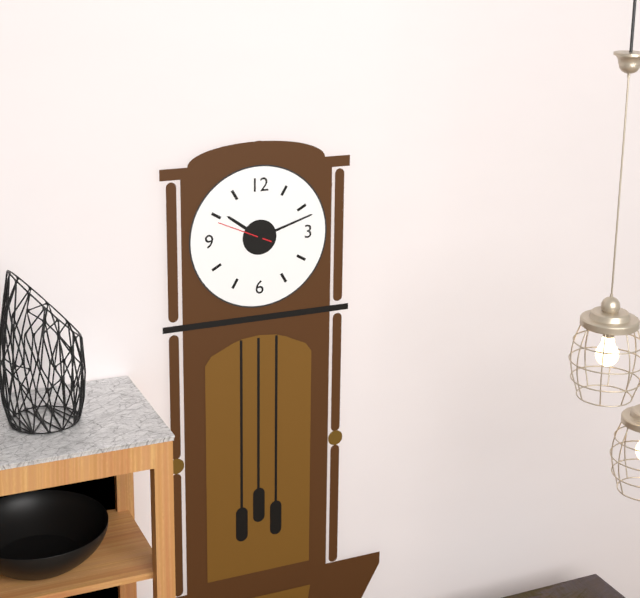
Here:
10,12,49
